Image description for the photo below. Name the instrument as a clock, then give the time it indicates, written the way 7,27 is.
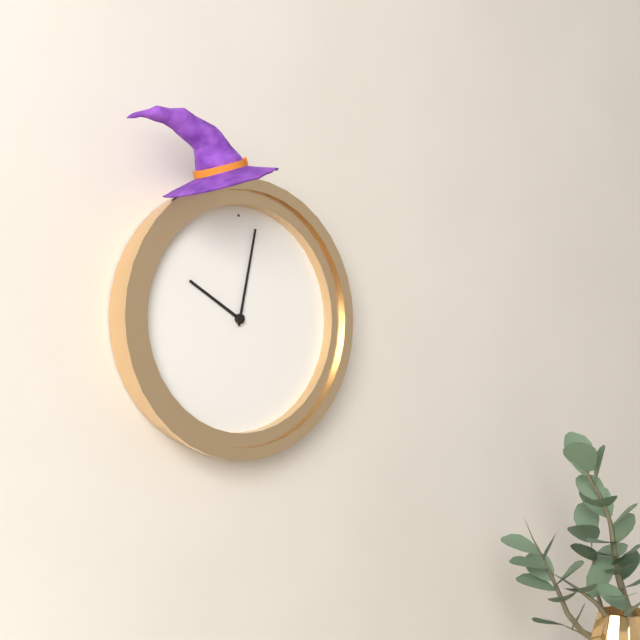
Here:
10,02
